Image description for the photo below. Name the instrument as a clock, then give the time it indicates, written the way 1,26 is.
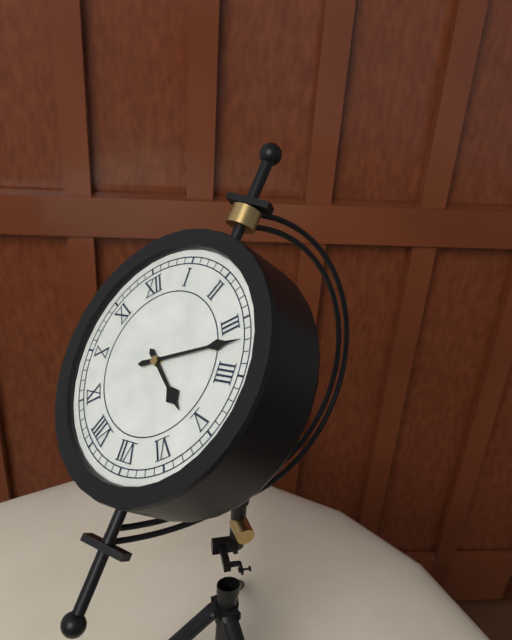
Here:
5,17
